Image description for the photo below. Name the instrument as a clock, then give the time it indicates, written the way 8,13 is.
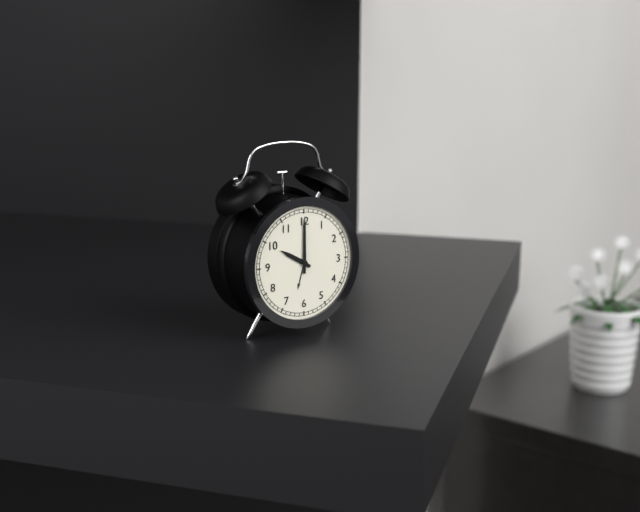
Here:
10,00
